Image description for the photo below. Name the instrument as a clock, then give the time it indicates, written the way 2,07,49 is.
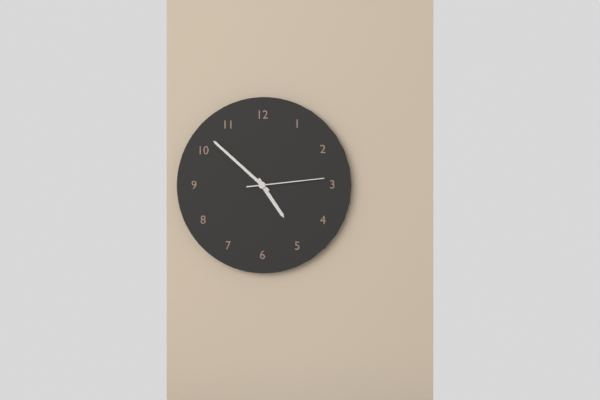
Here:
4,52,14
